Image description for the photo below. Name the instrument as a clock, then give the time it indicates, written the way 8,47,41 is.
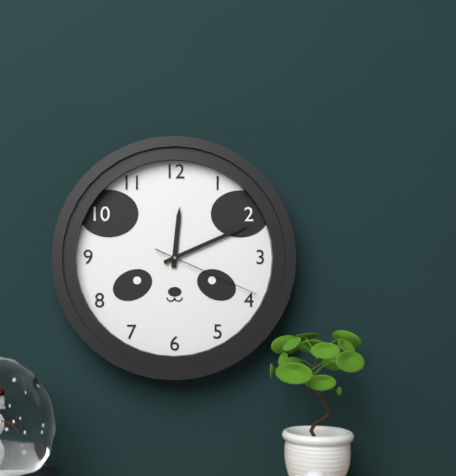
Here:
12,11,19
